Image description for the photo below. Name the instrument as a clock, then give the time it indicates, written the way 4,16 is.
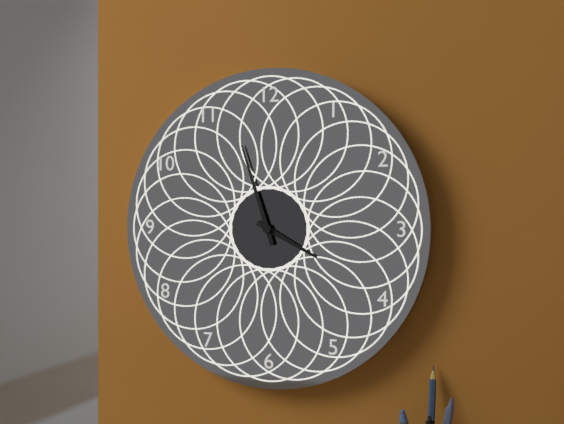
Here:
3,57
